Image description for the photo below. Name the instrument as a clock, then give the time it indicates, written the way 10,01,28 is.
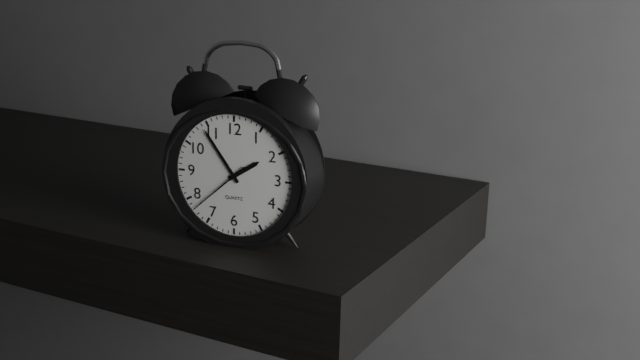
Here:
1,54,38
